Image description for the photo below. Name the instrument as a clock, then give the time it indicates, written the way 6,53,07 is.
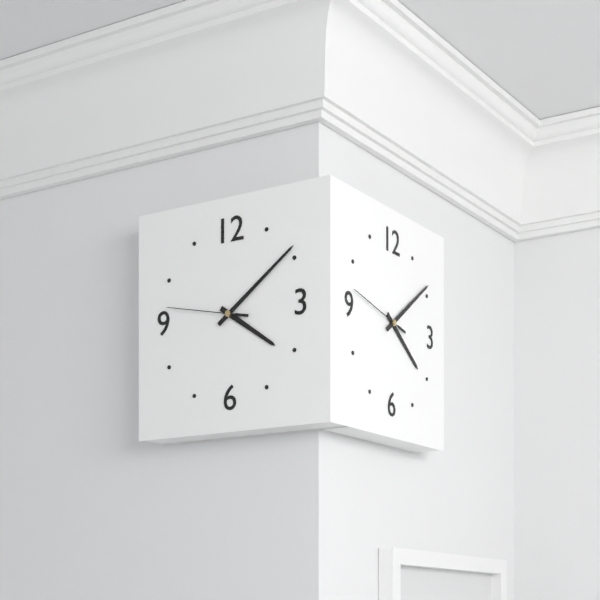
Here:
4,09,47
